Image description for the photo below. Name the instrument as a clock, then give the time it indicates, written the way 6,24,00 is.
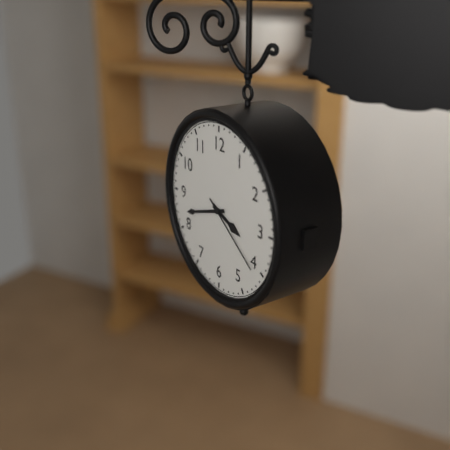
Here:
3,42,21
